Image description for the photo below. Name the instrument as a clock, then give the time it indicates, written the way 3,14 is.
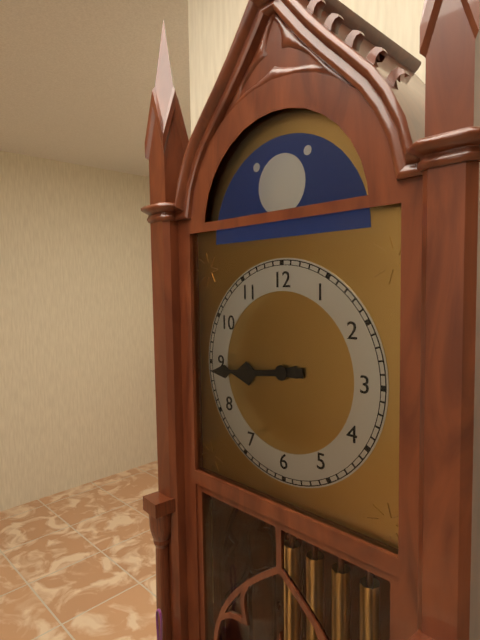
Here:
8,44
